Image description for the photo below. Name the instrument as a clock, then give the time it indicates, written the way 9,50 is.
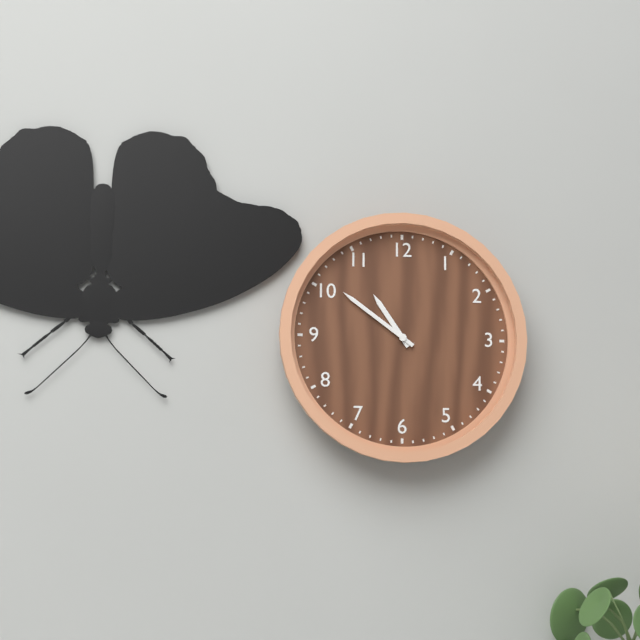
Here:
10,51
